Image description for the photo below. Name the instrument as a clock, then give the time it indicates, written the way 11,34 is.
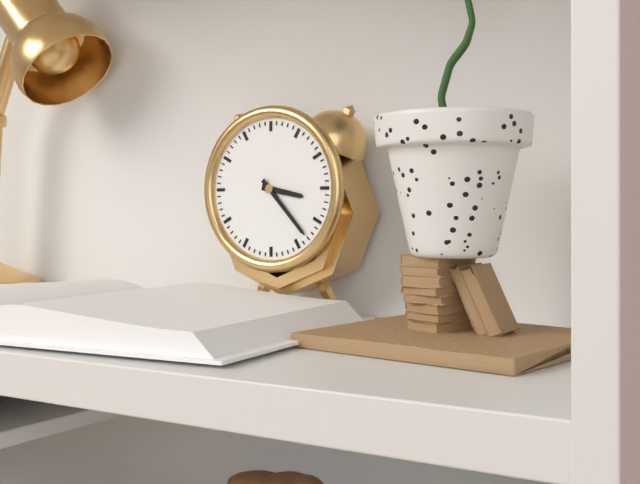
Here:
3,23
